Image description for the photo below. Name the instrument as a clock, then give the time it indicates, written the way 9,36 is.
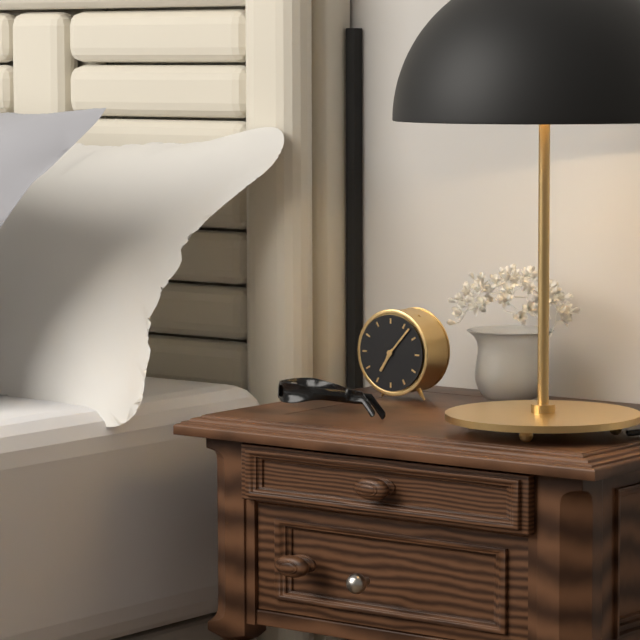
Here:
7,07
